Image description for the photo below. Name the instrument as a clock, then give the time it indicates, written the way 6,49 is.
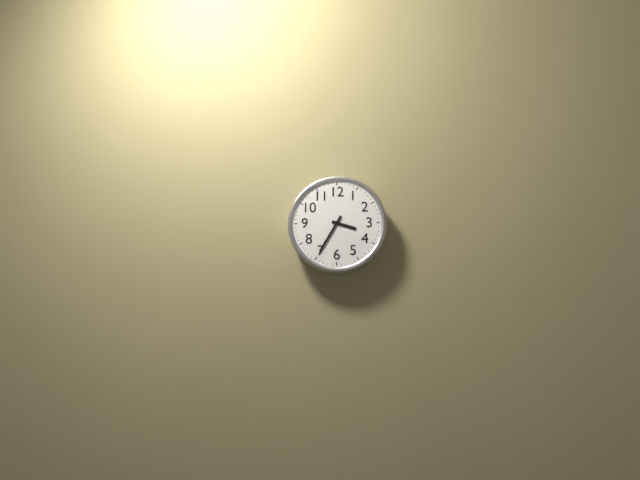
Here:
3,35
